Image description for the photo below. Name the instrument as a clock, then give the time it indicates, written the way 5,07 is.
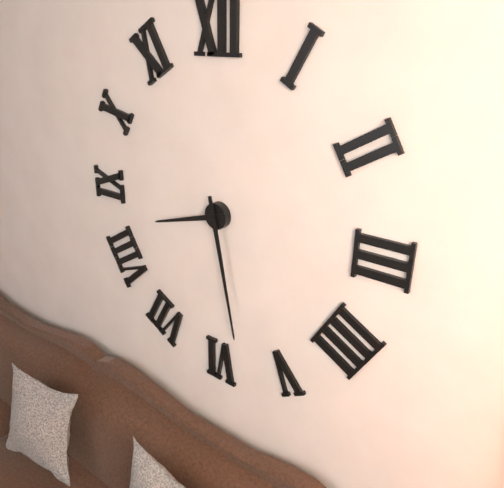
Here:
8,28
